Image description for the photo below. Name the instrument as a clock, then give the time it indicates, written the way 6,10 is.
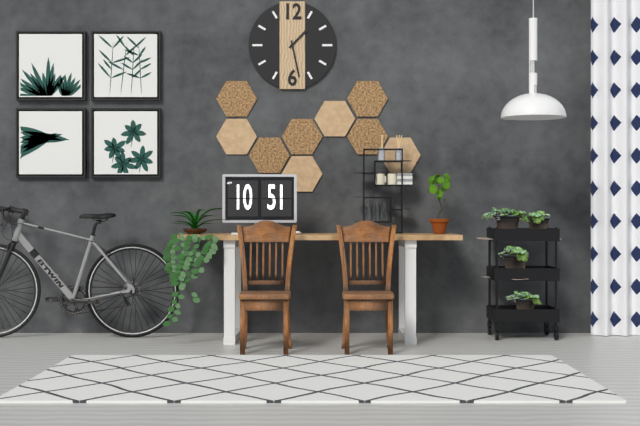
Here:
1,28
